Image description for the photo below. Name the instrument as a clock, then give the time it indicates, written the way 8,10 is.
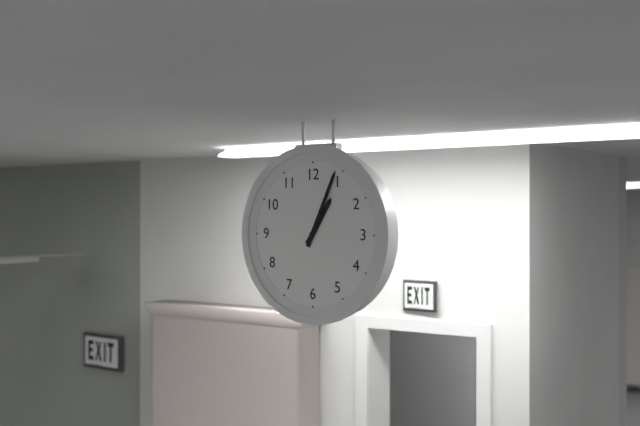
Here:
1,04
